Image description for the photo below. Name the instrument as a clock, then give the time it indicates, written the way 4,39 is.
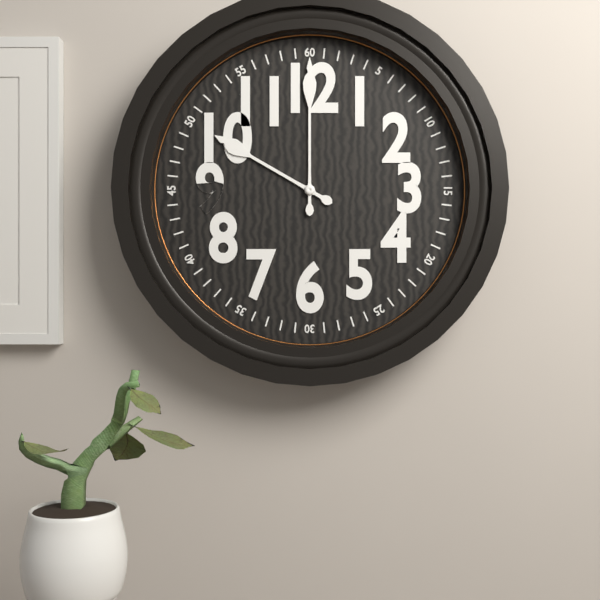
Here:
10,00
